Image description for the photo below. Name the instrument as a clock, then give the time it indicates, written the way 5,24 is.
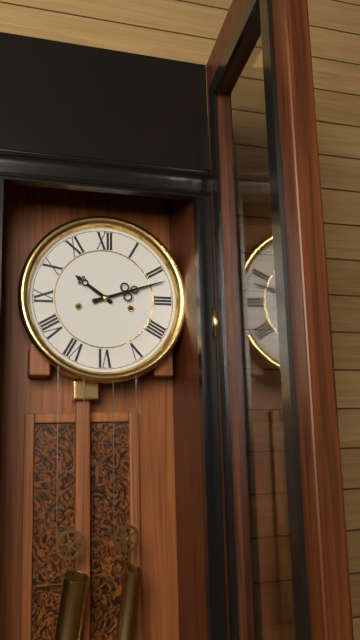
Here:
10,12
